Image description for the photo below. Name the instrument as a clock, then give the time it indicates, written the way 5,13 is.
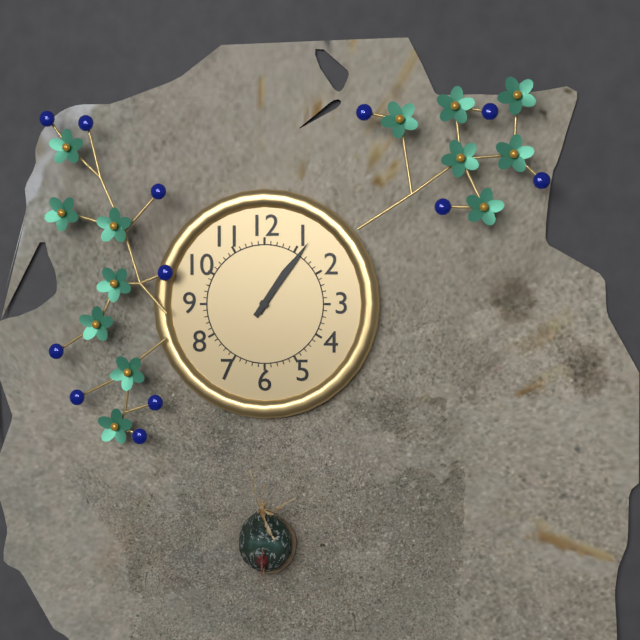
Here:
1,06
